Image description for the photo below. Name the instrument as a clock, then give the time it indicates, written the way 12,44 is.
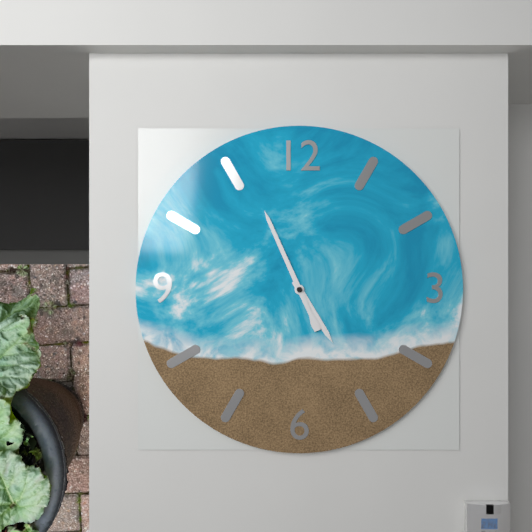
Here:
4,56
